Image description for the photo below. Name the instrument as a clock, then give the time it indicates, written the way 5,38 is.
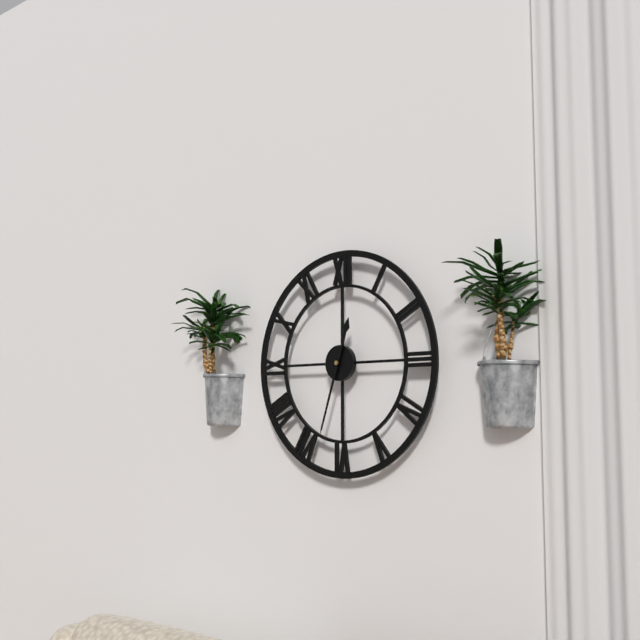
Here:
12,33
